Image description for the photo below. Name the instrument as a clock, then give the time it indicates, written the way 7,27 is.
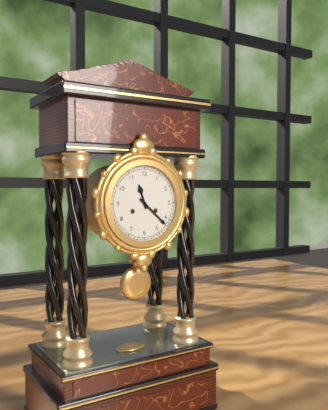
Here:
11,22
